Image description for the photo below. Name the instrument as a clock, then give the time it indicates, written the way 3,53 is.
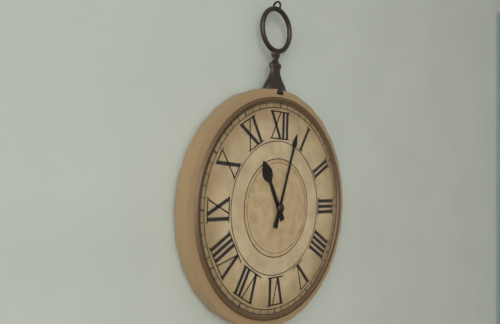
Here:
11,03
